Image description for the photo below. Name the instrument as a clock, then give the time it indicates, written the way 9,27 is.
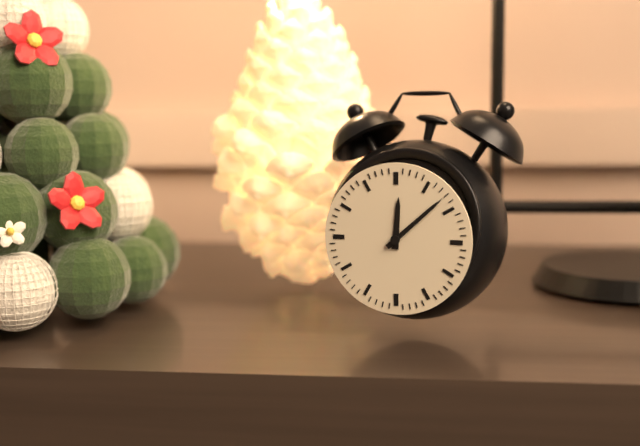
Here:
12,08
